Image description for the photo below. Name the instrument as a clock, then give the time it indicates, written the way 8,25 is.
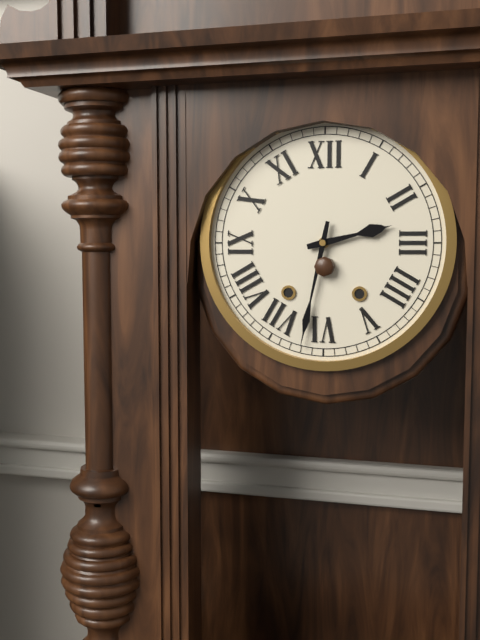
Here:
2,32
